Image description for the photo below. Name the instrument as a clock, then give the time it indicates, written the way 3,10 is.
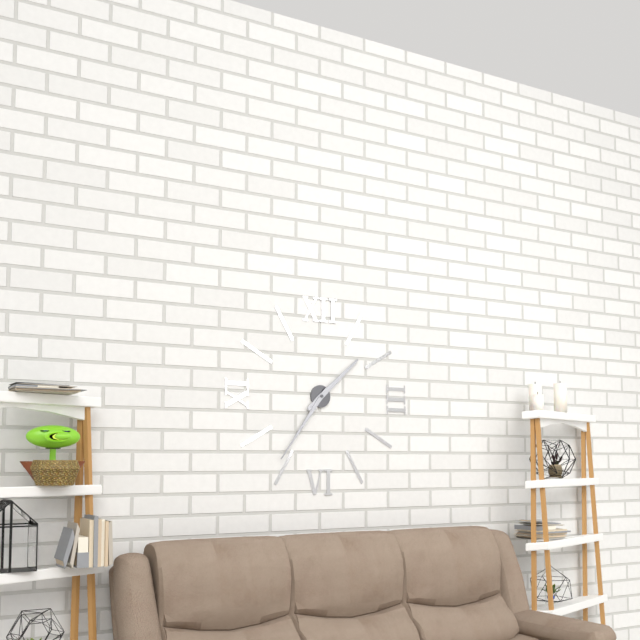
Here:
1,36
